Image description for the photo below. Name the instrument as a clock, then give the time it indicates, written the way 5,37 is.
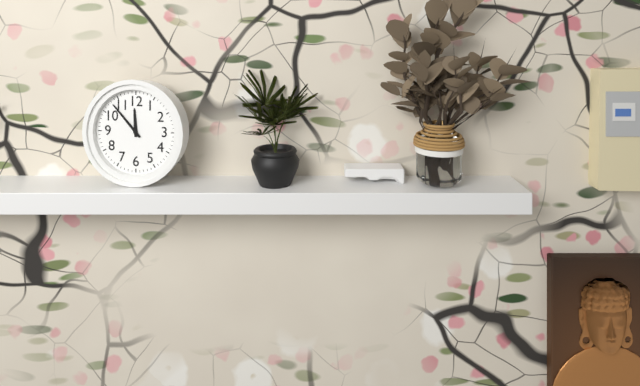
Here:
11,53
